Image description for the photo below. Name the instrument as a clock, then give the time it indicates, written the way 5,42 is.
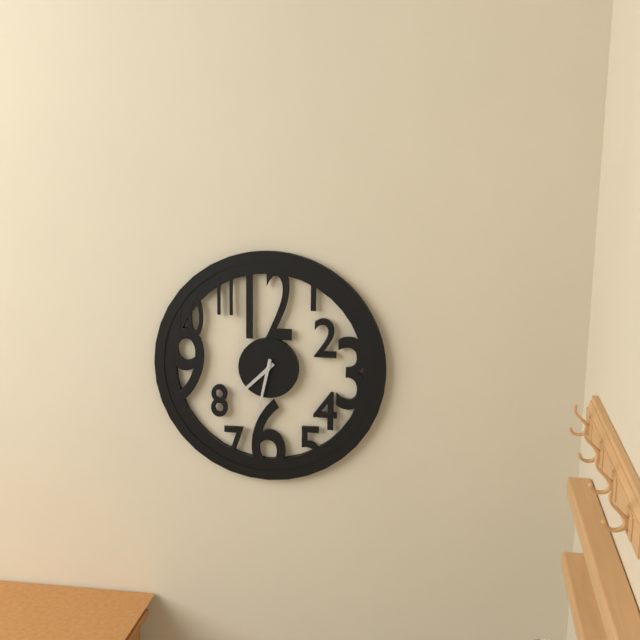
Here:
7,32
